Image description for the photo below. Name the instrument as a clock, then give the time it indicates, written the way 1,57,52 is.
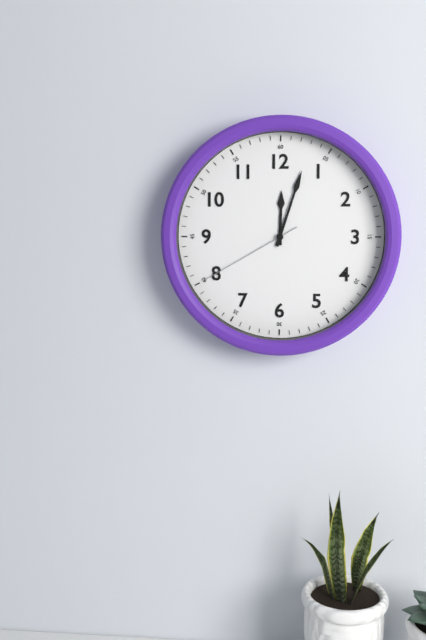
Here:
12,03,40
